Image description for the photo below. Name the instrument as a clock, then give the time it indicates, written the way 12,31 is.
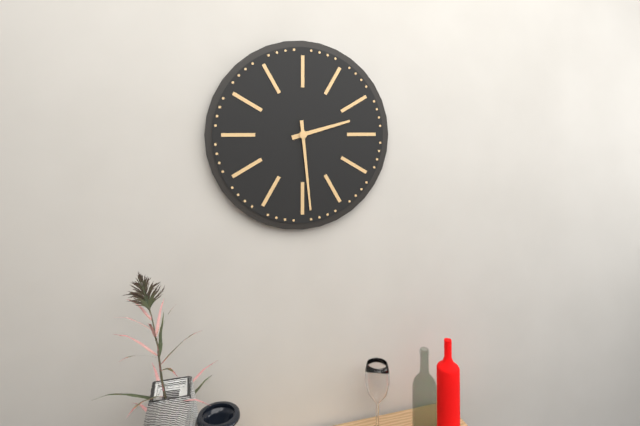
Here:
2,29
